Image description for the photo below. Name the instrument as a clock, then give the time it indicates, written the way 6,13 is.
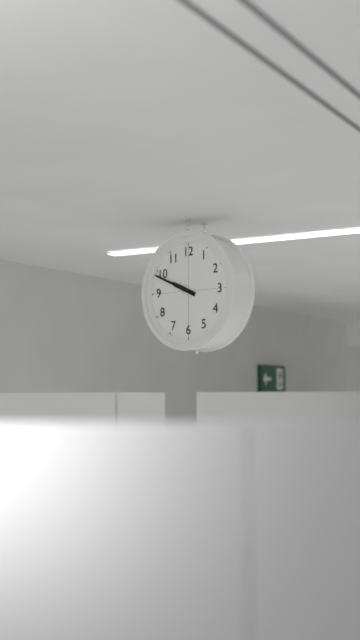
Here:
9,49
